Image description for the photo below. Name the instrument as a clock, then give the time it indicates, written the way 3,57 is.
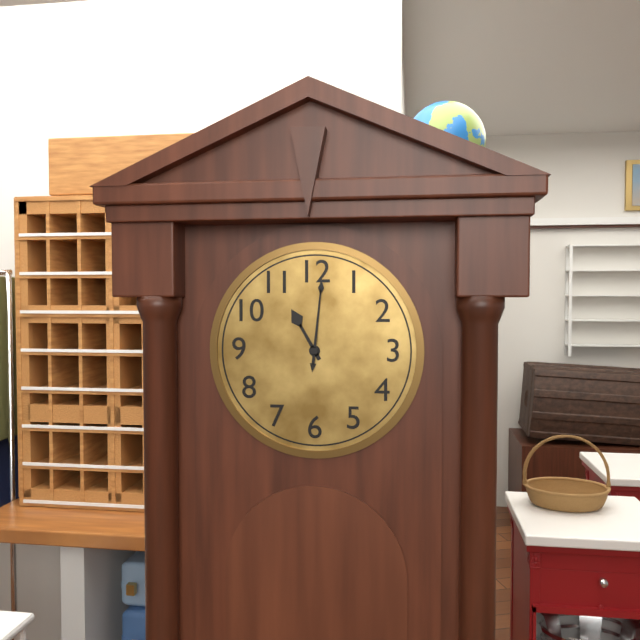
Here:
11,01
